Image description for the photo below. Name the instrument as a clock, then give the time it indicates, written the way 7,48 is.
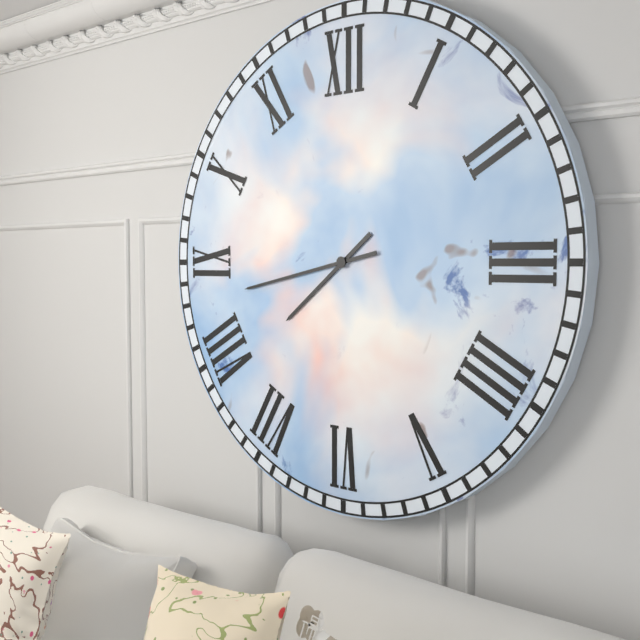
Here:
7,43
